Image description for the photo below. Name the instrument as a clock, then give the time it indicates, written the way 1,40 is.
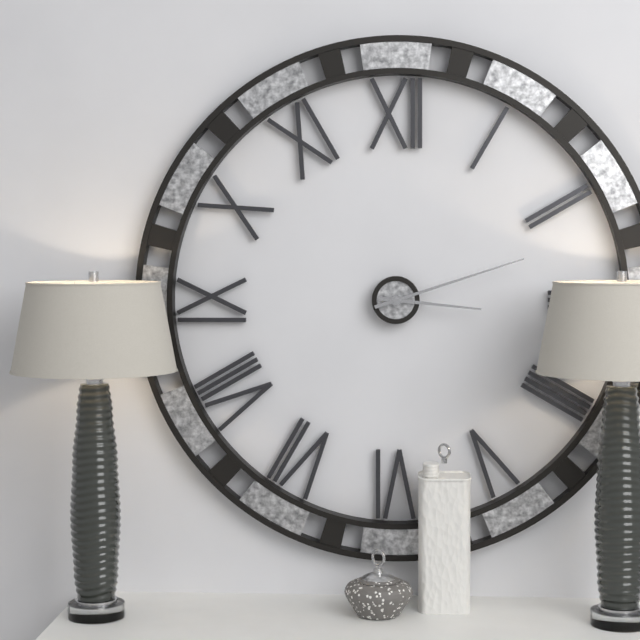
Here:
3,12
